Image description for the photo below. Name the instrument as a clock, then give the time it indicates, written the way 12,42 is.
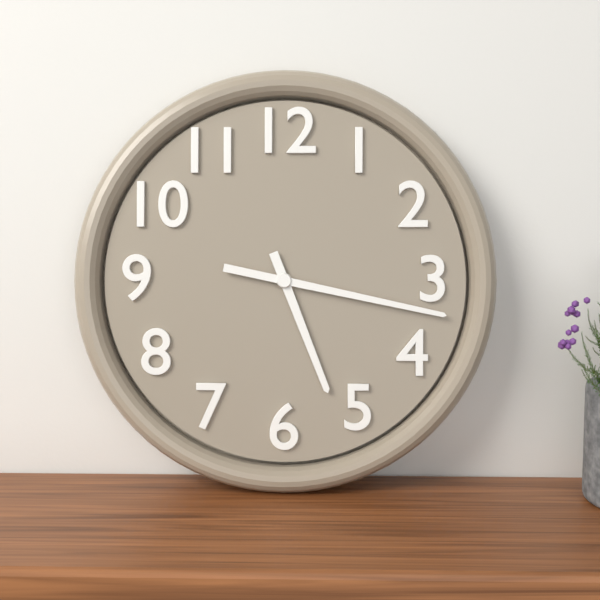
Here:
5,17
